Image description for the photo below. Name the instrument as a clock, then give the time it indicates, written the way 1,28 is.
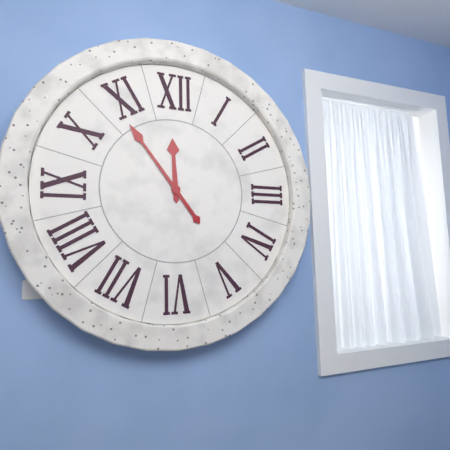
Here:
11,54
